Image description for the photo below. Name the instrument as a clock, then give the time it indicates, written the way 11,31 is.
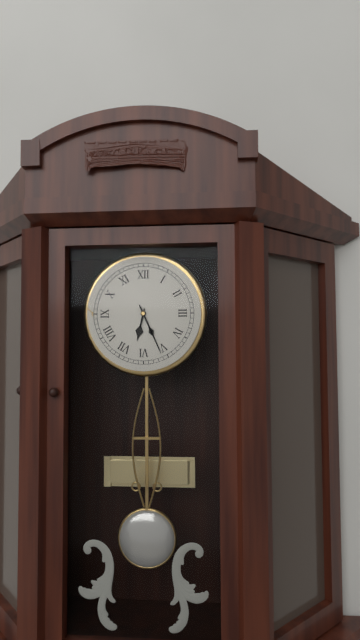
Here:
6,26
